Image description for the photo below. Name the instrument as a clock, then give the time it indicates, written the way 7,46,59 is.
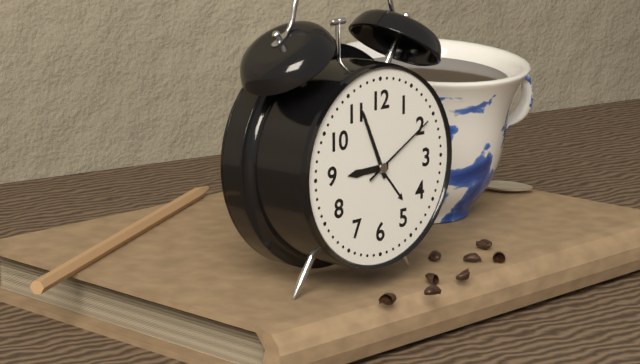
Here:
8,56,10
